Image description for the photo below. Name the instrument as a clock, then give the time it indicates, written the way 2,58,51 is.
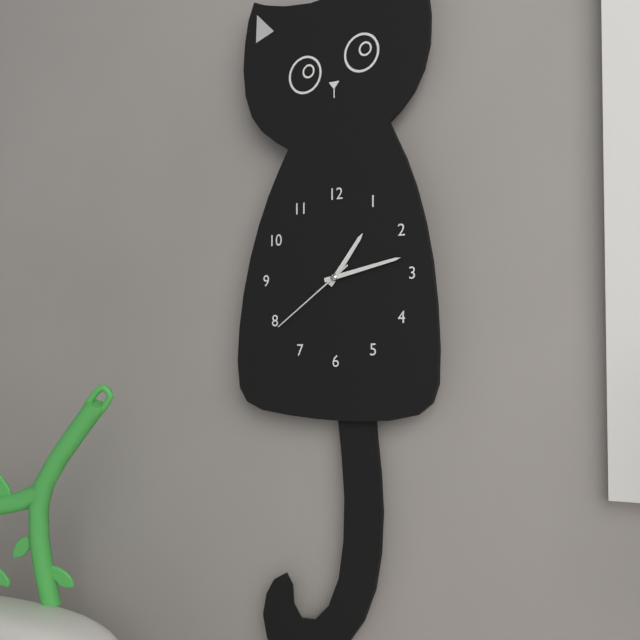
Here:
1,13,39
